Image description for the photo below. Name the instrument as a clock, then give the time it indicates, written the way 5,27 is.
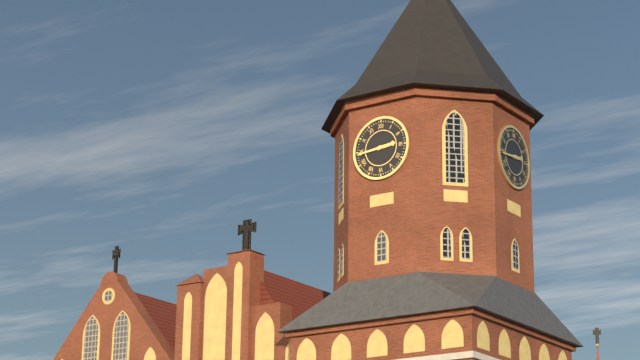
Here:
2,44
